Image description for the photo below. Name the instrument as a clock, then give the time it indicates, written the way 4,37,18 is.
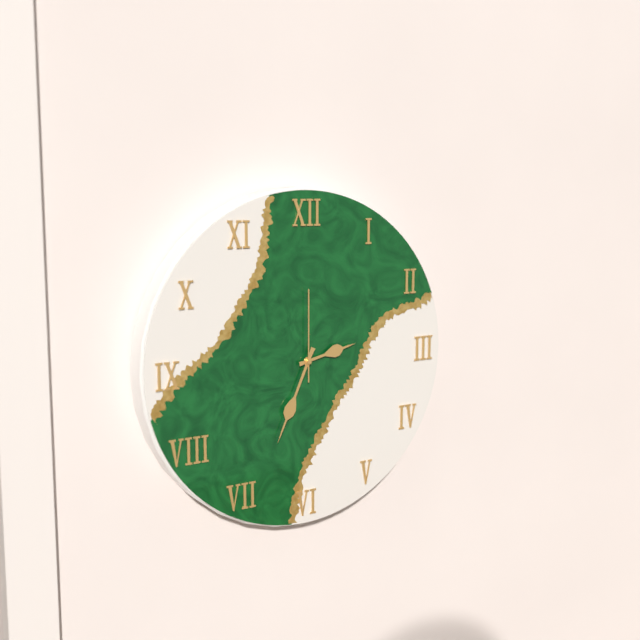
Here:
2,34,00
